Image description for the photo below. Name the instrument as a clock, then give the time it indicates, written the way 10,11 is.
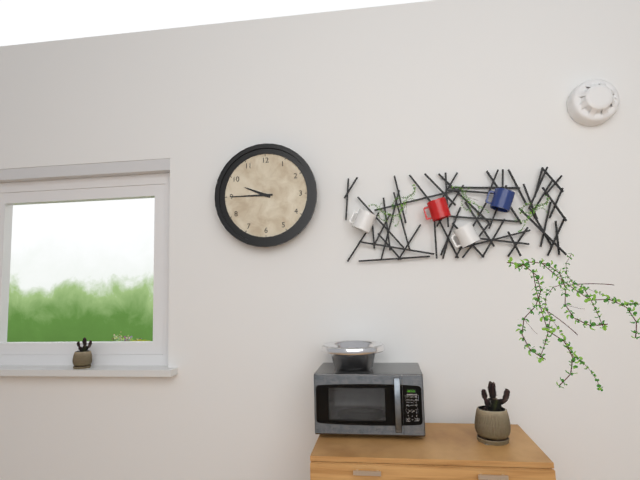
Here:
9,45
